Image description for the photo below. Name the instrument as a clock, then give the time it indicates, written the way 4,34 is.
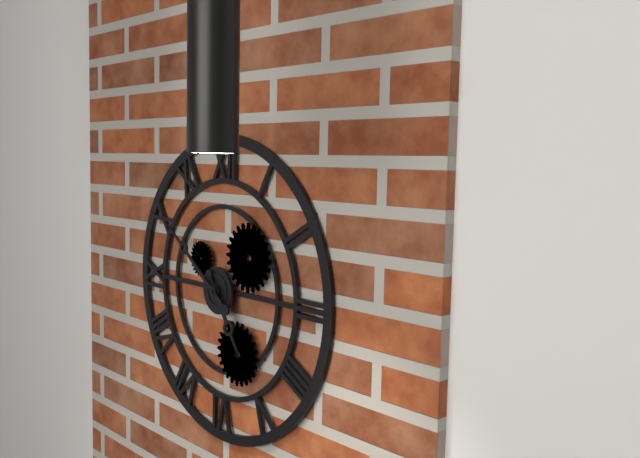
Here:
4,51
